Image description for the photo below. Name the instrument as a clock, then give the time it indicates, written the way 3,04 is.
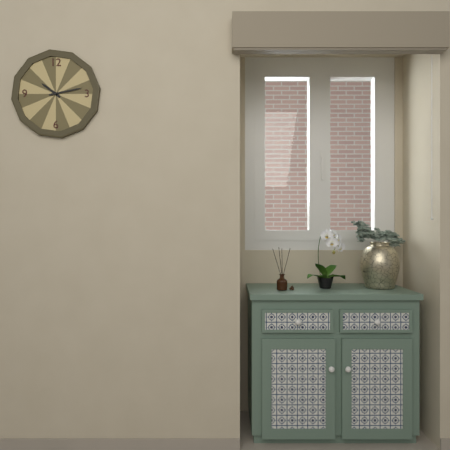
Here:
10,13
